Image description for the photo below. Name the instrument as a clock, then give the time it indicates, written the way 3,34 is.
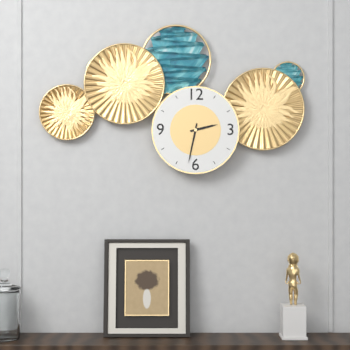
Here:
2,32
